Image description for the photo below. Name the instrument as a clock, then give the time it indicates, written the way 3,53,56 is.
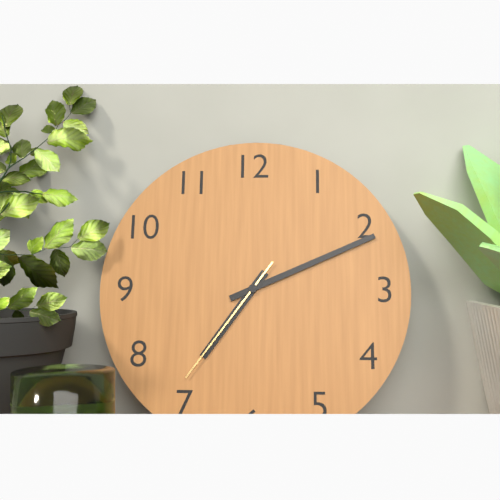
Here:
7,11,36
